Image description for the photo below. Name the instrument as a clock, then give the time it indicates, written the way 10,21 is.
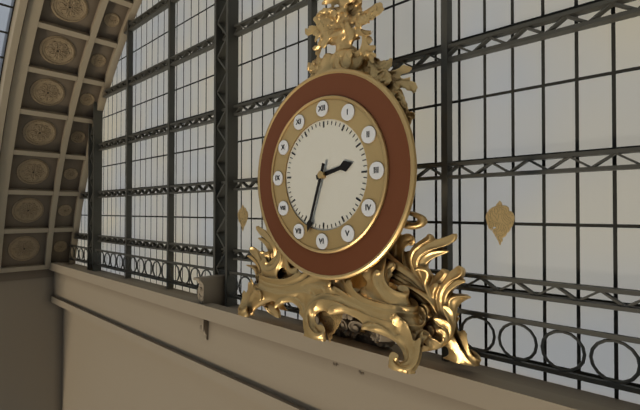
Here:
2,33
